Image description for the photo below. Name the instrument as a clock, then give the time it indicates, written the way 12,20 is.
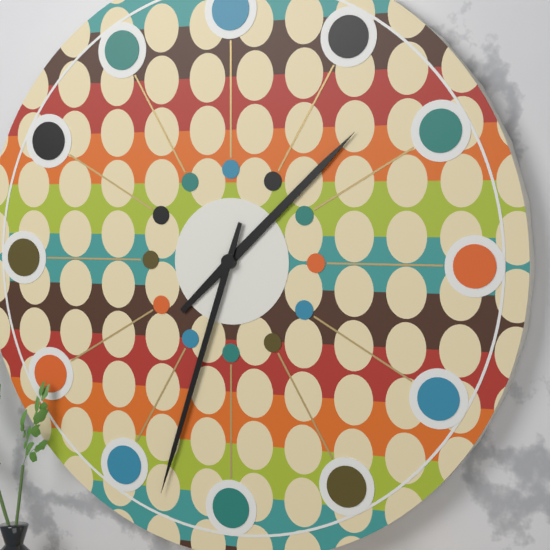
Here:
1,33
